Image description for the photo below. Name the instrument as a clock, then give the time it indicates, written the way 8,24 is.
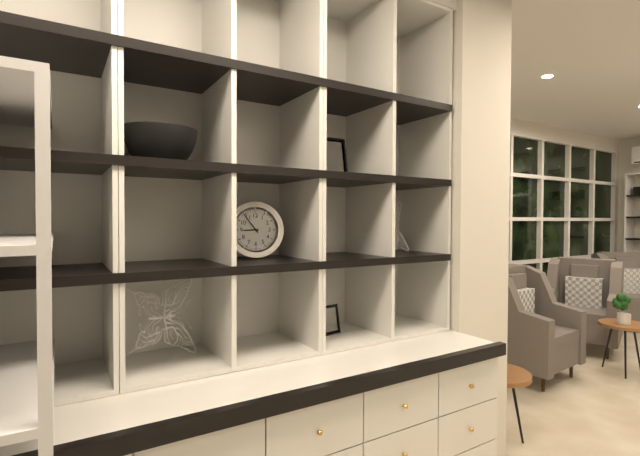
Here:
8,54
